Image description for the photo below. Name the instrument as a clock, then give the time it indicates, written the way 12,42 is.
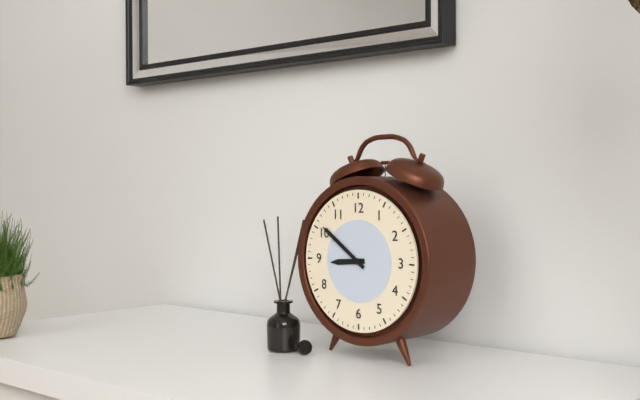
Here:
8,51
